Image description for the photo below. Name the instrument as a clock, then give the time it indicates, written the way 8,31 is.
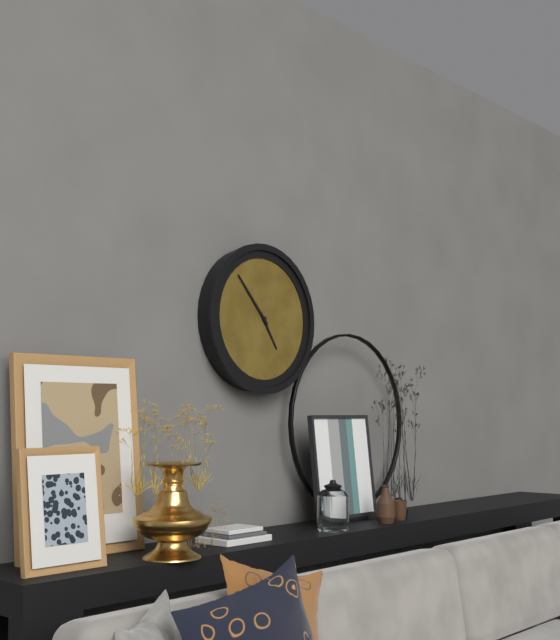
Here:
4,53
